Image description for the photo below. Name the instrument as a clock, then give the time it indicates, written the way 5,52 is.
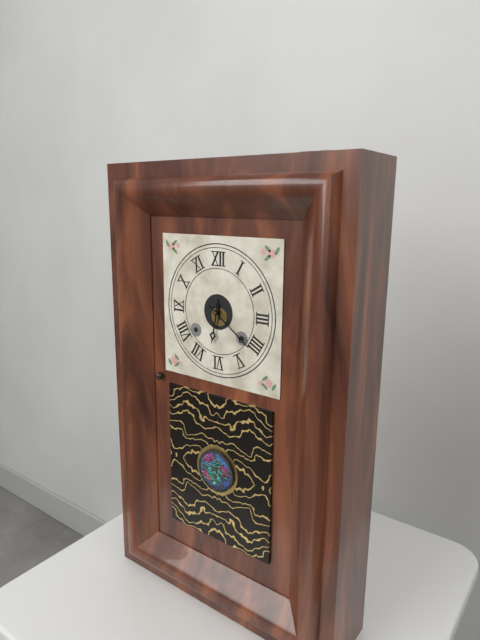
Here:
6,21
